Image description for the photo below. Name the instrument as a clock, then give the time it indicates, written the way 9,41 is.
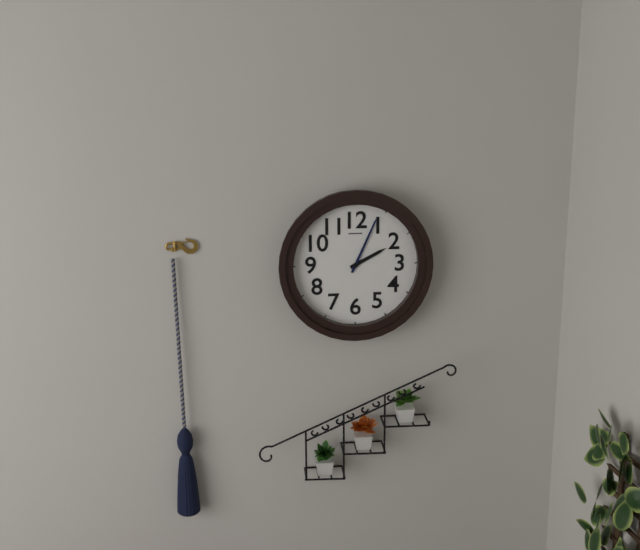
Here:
2,04
